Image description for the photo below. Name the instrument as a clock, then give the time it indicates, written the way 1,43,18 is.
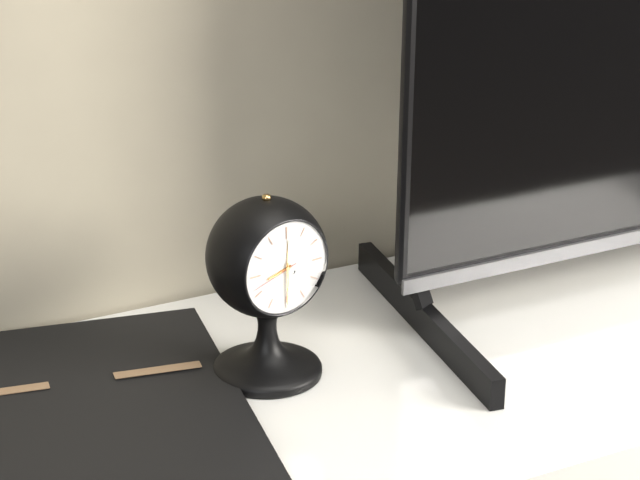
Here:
8,30,42
